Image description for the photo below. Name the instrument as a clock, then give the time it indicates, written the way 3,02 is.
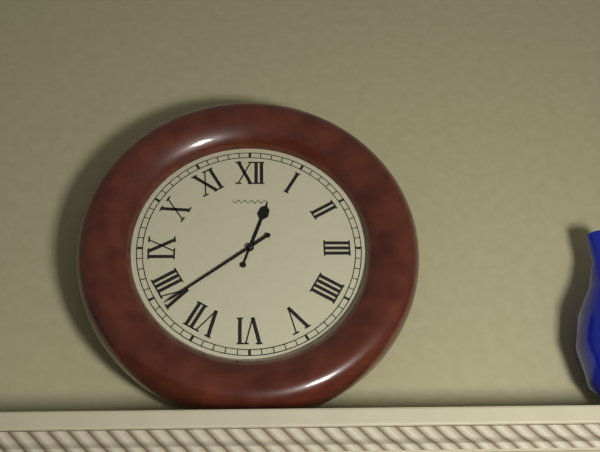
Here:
12,39
